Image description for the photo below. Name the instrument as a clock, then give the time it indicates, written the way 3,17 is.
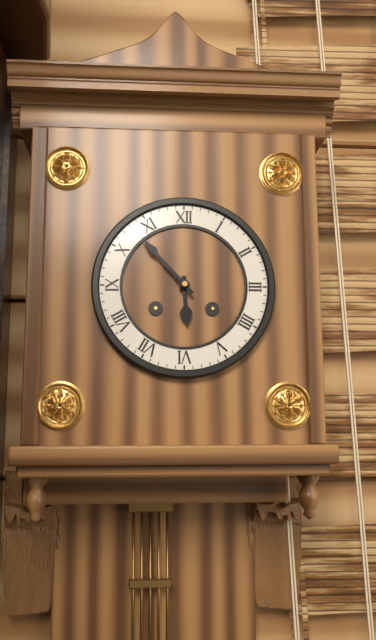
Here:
5,53
